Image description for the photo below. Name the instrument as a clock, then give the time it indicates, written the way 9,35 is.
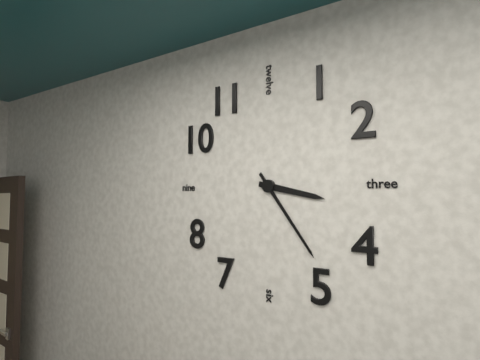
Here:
3,24
